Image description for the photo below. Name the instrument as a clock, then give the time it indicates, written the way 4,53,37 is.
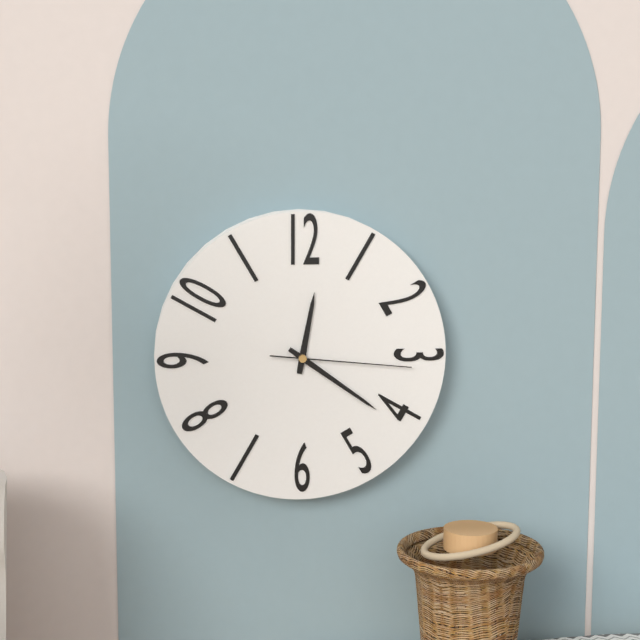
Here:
12,21,16
